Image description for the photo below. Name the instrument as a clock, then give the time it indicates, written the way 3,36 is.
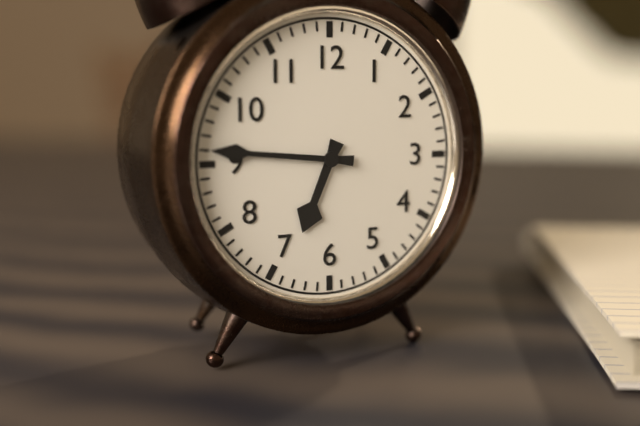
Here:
6,46
